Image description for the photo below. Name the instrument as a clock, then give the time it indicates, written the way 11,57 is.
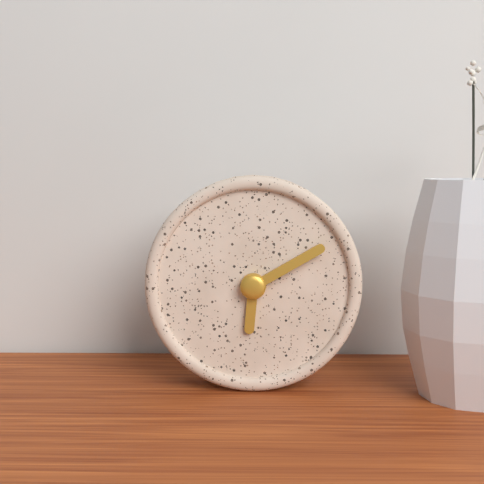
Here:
6,10
